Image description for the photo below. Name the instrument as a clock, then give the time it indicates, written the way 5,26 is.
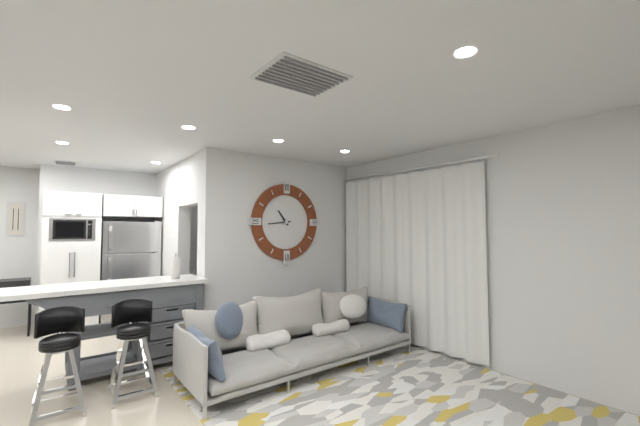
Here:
10,44
